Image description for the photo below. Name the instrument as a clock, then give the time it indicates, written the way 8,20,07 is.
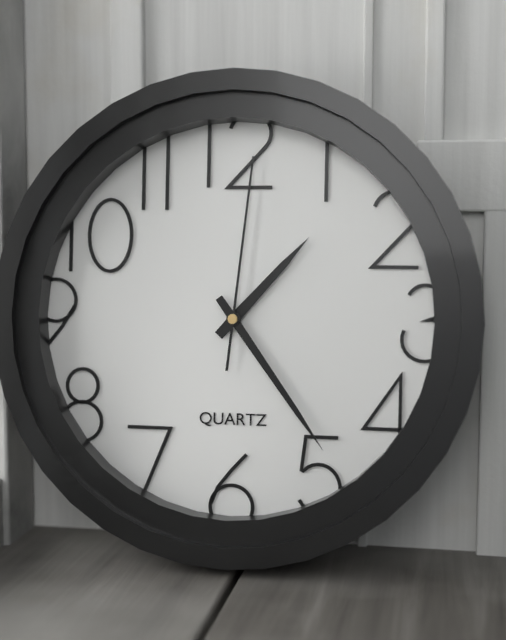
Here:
1,24,01
